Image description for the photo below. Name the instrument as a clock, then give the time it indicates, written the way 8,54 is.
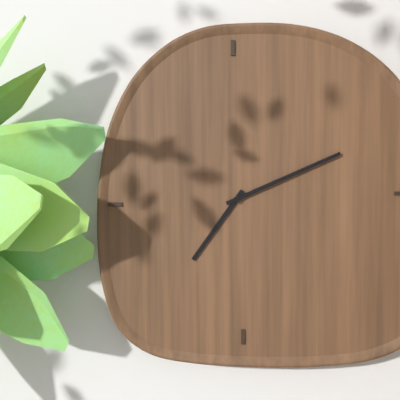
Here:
7,11
